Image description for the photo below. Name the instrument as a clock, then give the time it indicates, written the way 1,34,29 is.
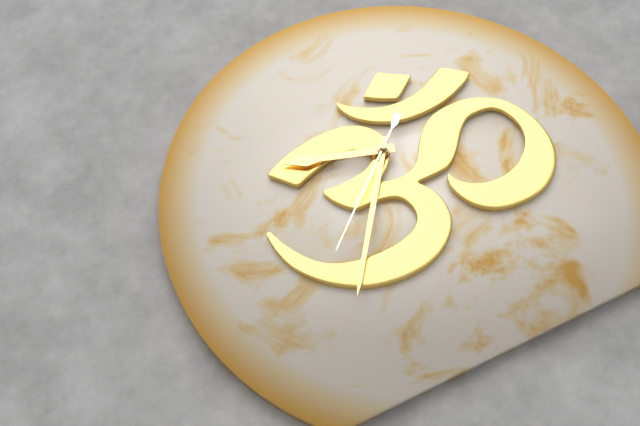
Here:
9,36,38
